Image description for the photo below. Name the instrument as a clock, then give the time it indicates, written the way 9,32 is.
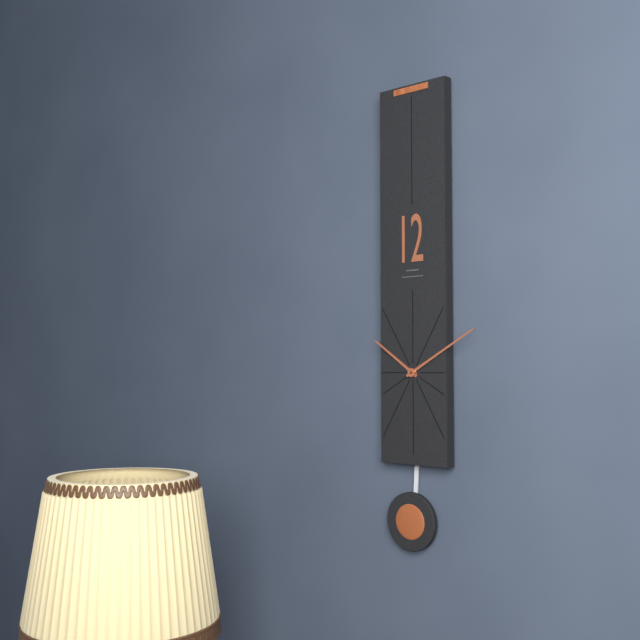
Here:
10,10
